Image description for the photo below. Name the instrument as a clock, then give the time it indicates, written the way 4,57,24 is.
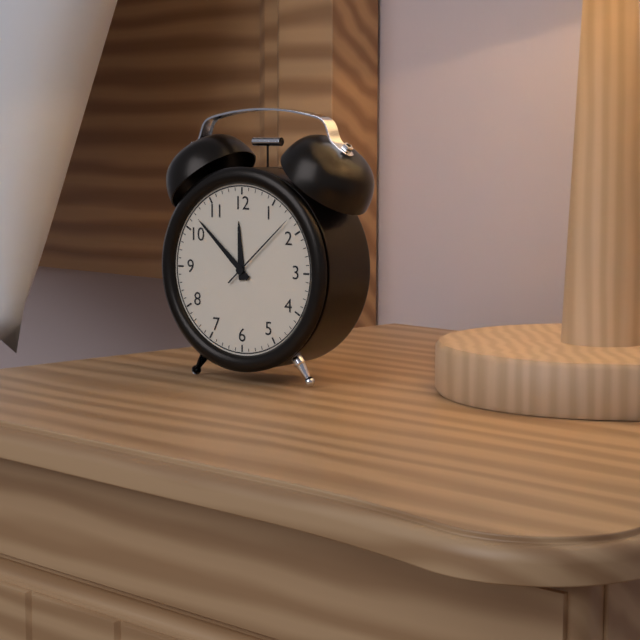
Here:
11,52,08
